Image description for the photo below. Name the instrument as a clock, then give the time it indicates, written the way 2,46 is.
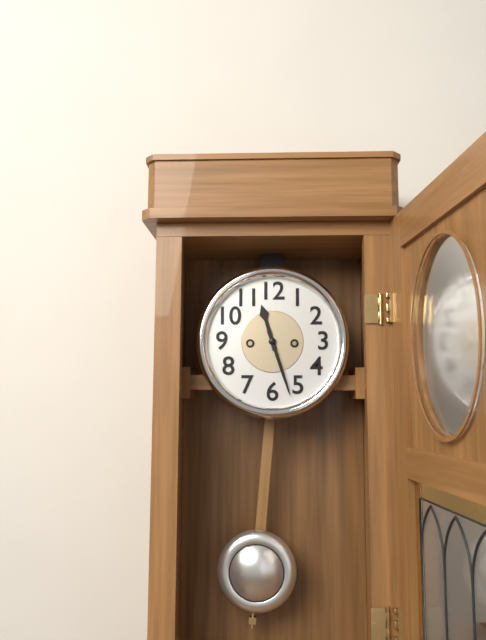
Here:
11,27
